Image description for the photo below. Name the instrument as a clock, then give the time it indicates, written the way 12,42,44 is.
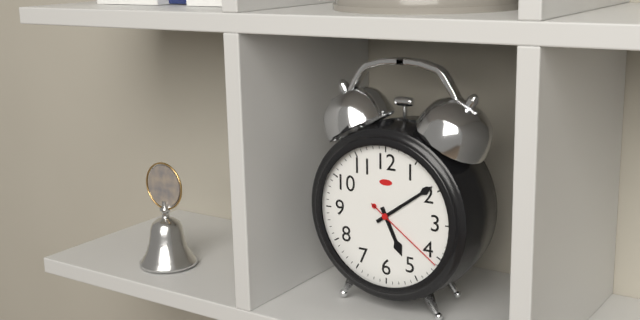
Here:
5,09,21
